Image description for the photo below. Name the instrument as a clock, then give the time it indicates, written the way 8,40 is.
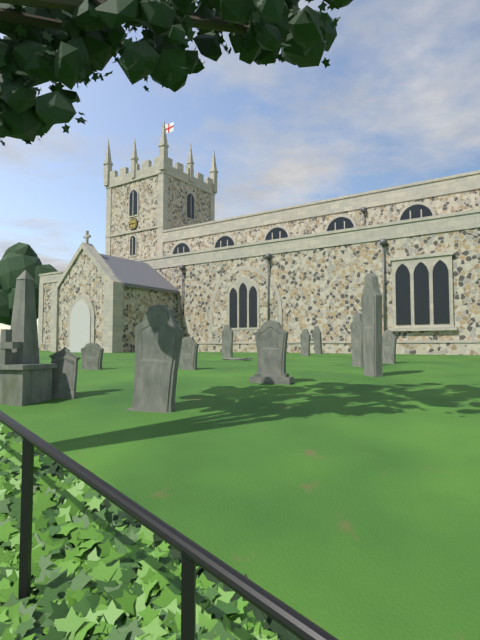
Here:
2,45
